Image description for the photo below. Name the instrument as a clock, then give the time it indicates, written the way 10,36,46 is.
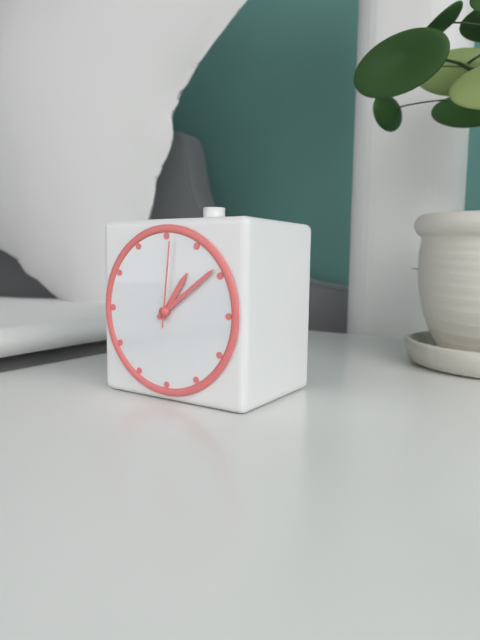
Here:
1,09,01
